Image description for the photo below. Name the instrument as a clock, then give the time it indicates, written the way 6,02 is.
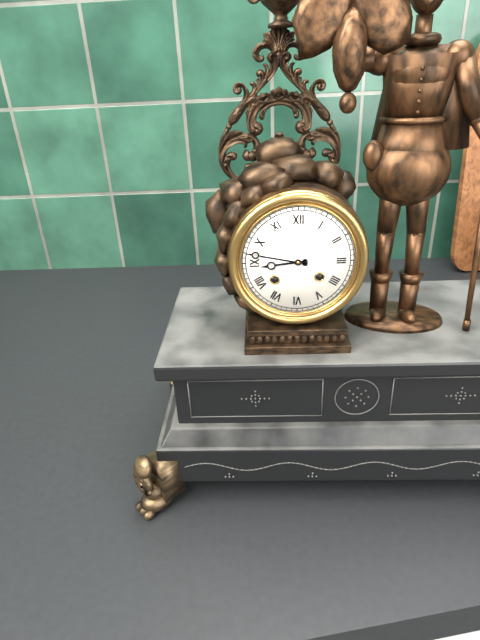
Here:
8,47
